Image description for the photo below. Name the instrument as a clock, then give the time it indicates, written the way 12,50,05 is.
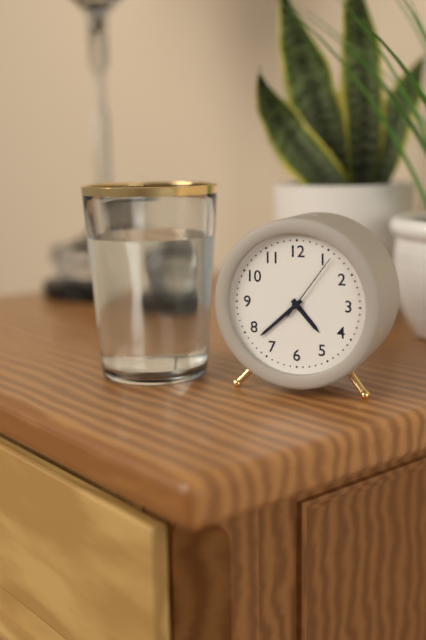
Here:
4,38,06
